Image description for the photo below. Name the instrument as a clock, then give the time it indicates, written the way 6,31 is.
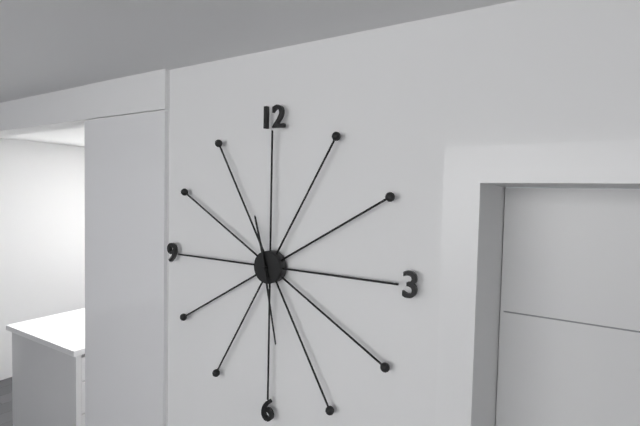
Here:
11,28
